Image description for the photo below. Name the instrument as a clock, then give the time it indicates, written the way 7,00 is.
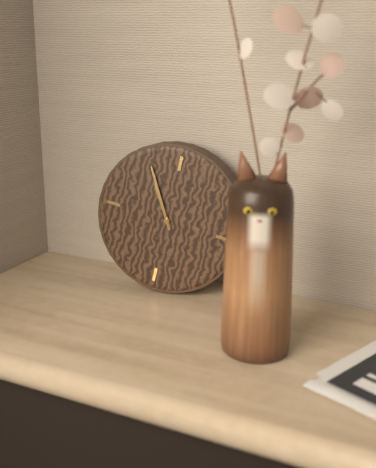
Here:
10,55
